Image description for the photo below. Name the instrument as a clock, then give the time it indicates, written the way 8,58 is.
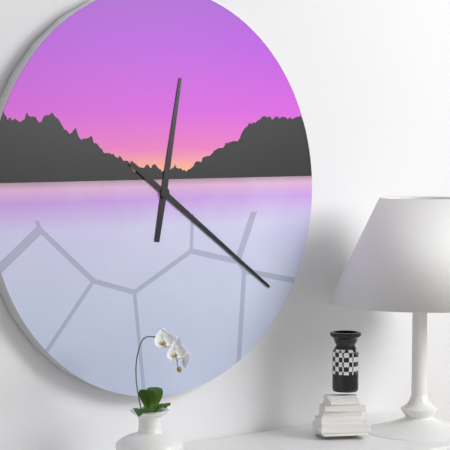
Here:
12,21
